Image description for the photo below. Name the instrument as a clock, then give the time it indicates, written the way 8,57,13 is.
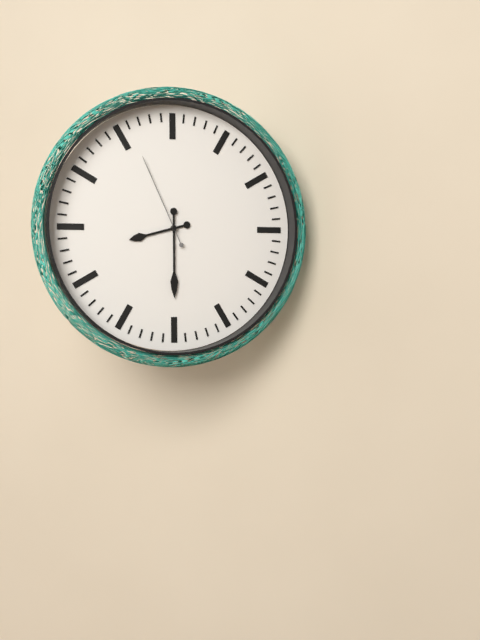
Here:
8,30,56
